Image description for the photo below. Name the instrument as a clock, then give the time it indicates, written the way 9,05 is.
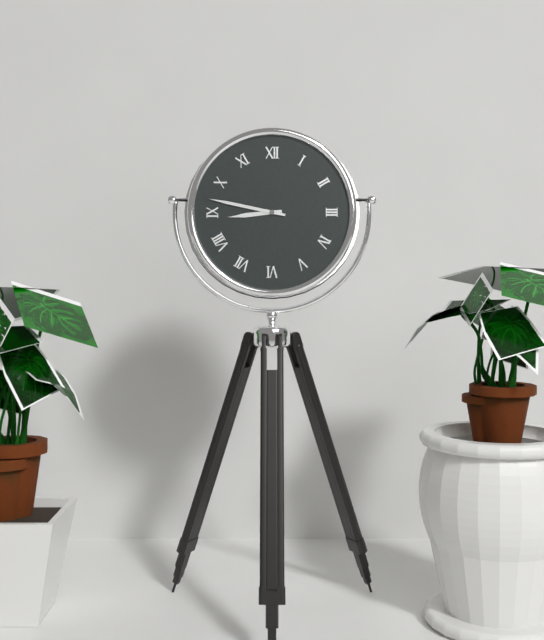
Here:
8,47
